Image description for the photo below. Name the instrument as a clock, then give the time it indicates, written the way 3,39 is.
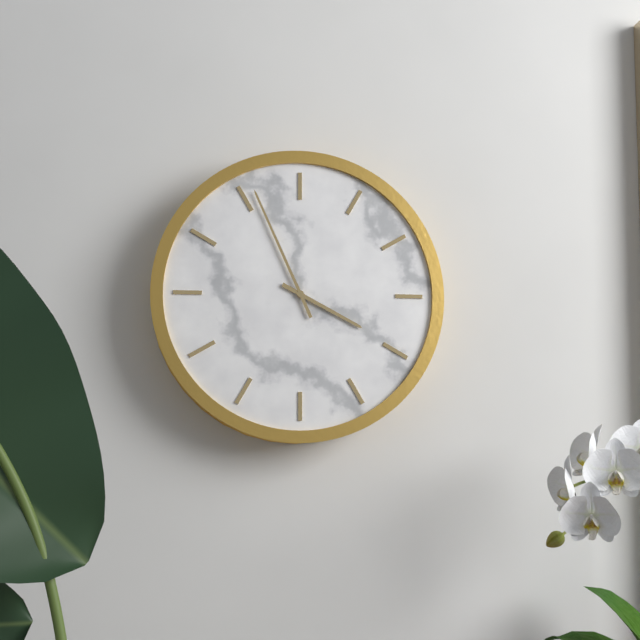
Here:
3,56
